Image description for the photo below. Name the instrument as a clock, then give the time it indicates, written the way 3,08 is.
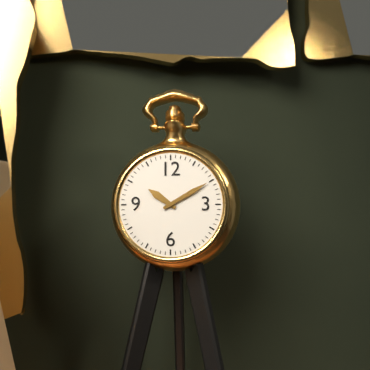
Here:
10,10
